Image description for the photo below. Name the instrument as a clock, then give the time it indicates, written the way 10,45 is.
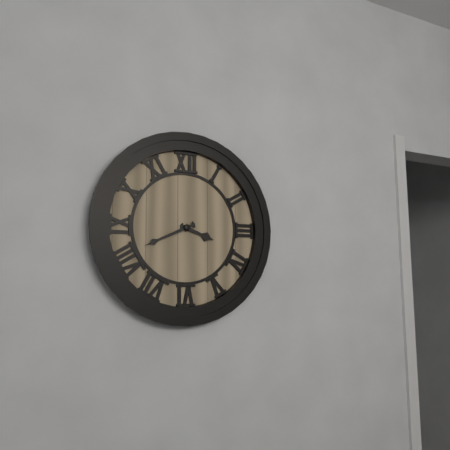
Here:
3,41
